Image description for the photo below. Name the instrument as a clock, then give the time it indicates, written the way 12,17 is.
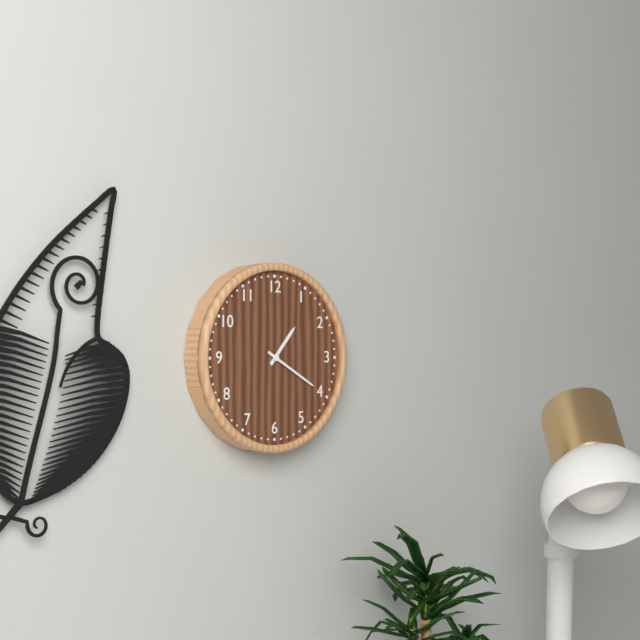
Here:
1,20
